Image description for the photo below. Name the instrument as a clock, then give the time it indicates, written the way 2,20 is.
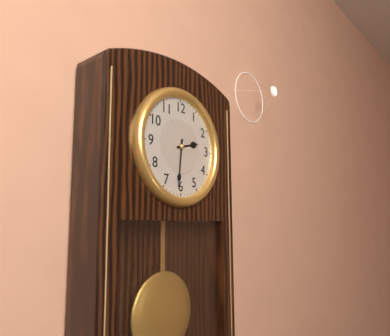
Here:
2,31
